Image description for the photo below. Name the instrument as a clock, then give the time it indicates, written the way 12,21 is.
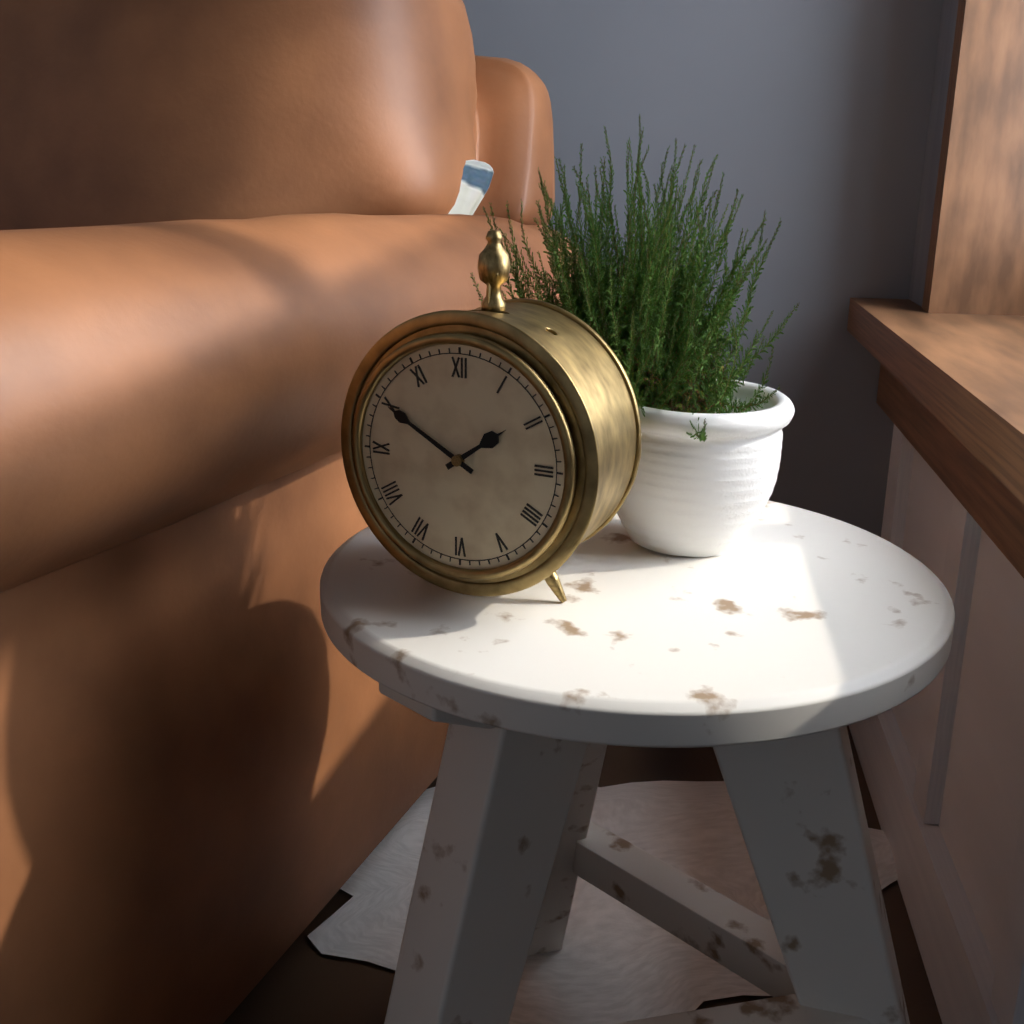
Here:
1,50
